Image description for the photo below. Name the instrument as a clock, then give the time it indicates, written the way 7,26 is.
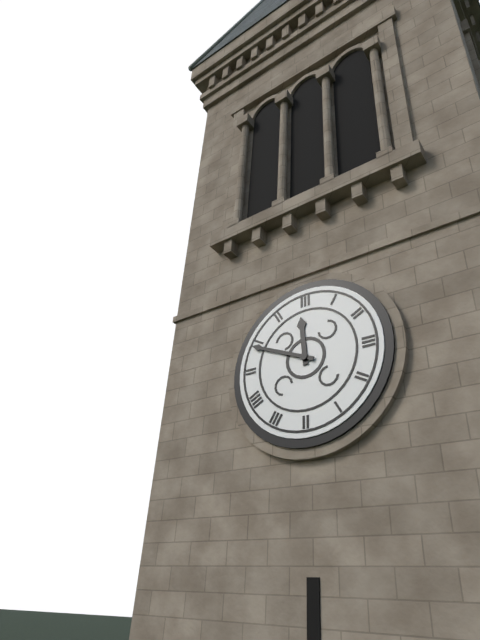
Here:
11,49
